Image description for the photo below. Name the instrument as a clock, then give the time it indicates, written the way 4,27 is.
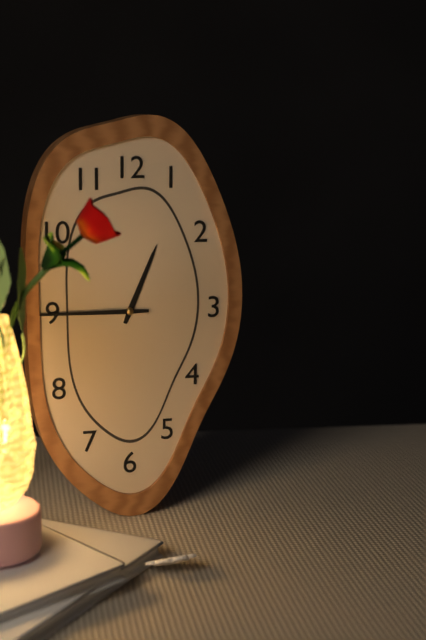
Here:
12,45
